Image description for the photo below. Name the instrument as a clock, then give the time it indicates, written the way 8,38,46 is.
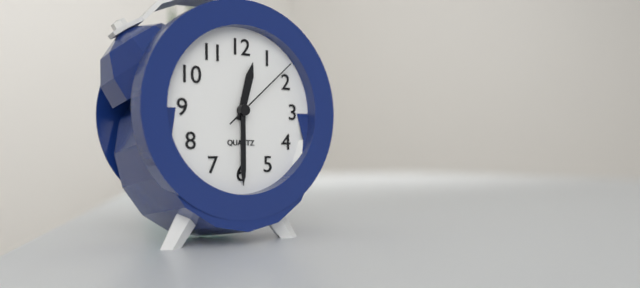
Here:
12,30,08
